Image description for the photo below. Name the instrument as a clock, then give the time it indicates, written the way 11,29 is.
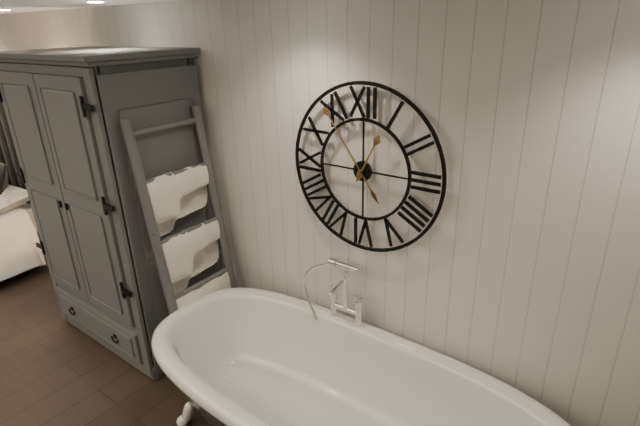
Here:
12,54
